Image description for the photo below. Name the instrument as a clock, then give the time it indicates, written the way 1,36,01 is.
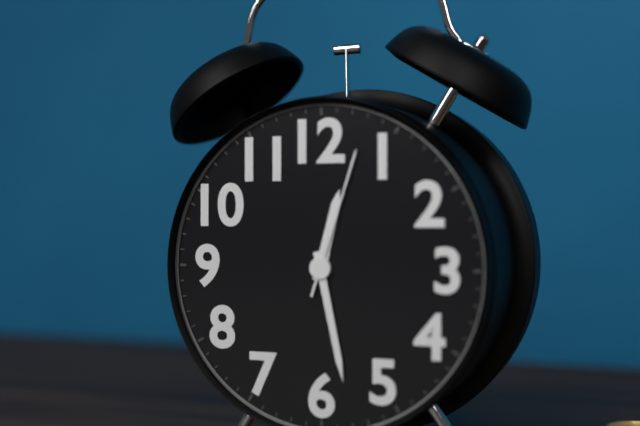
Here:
12,28,03
